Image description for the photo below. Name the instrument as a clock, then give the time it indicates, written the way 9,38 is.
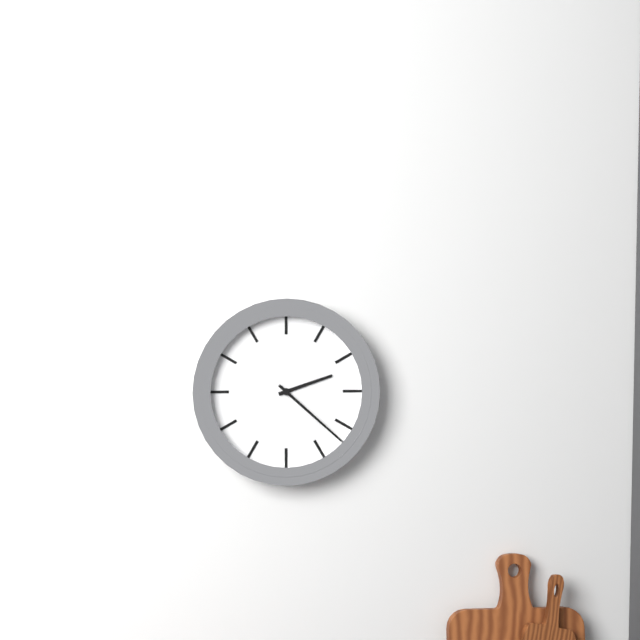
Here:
2,22
